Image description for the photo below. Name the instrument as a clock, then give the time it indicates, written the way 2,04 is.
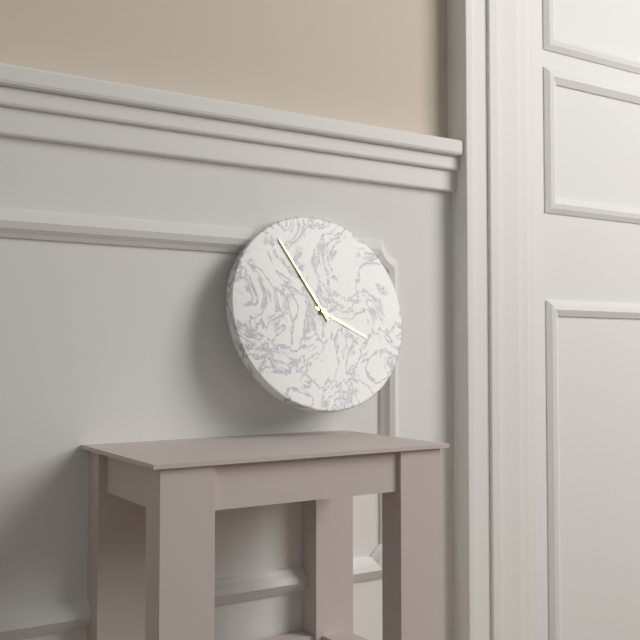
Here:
3,55
